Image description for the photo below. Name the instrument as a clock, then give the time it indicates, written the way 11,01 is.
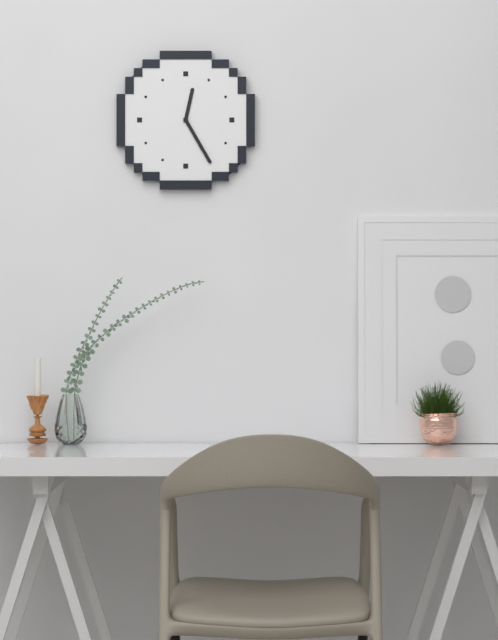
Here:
12,25
